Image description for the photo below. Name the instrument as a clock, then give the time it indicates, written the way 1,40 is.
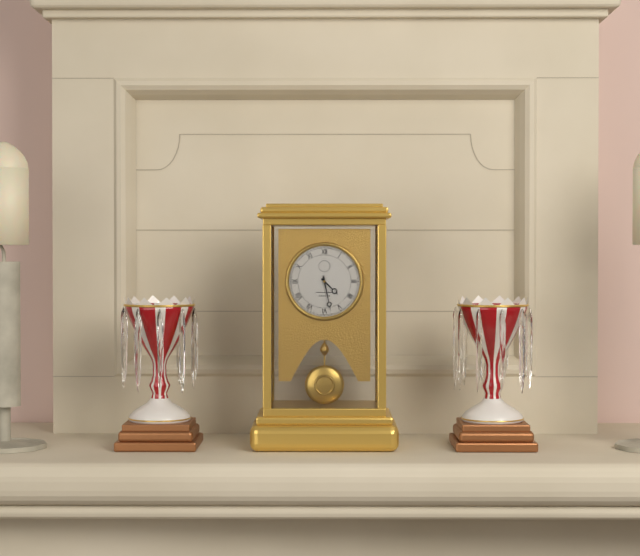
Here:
4,28
